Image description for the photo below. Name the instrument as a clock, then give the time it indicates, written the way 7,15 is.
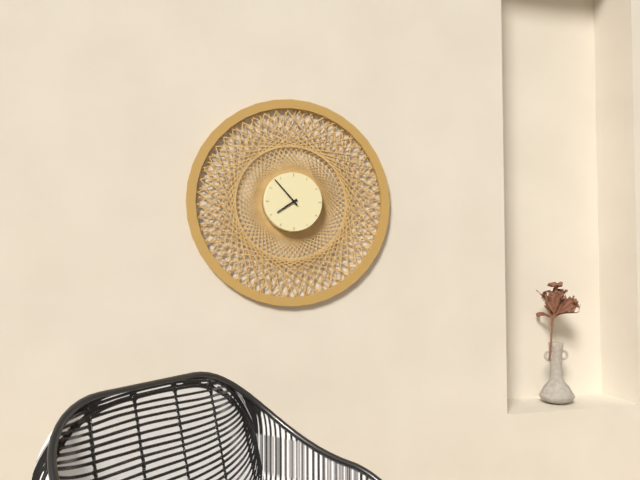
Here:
7,53
